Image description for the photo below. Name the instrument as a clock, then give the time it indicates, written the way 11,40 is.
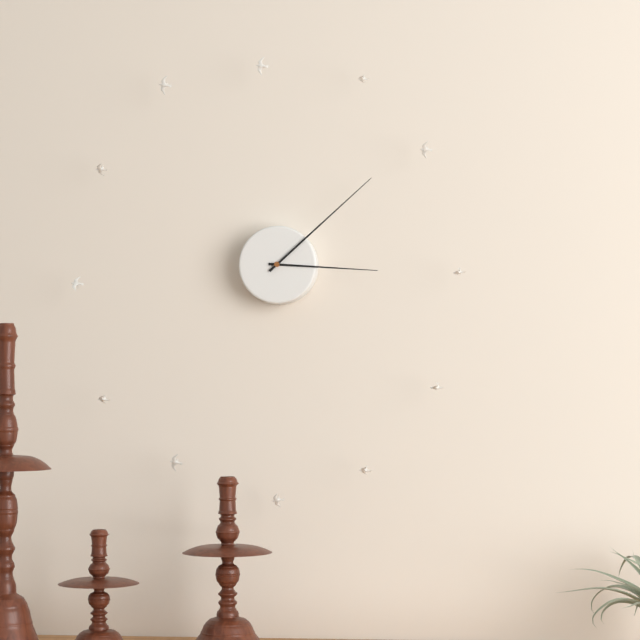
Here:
3,08
